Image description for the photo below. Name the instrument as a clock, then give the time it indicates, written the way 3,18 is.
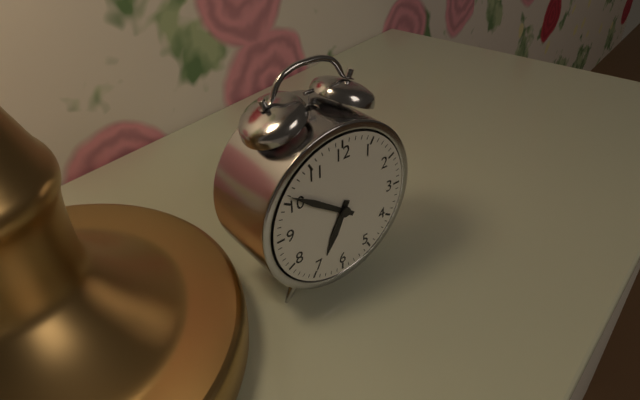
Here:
6,51
